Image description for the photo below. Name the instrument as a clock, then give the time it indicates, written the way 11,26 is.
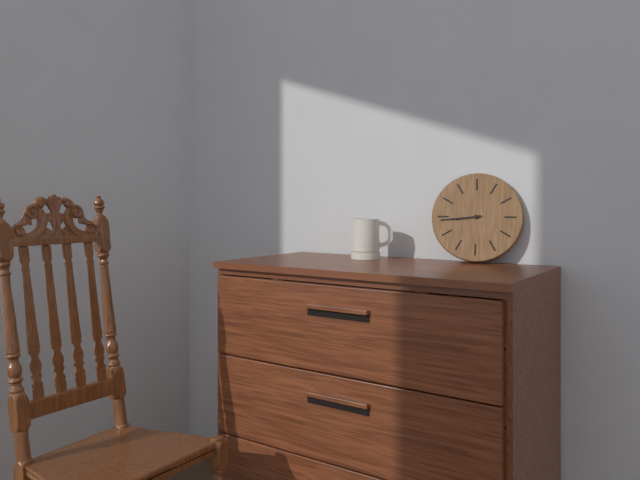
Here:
8,44
